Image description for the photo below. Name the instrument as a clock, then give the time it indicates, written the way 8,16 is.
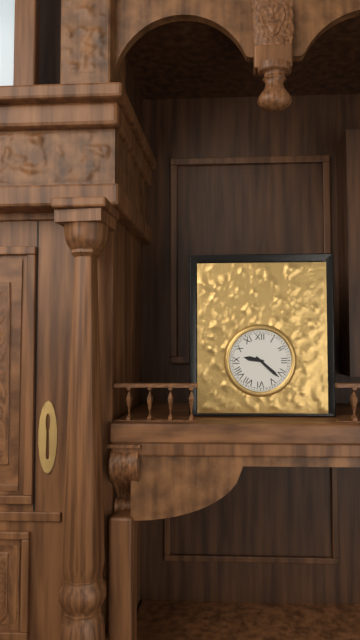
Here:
9,22
